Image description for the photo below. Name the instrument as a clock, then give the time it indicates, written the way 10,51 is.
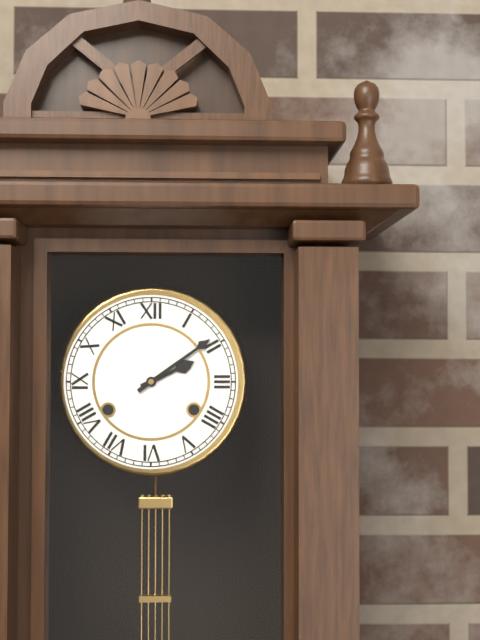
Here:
2,09
